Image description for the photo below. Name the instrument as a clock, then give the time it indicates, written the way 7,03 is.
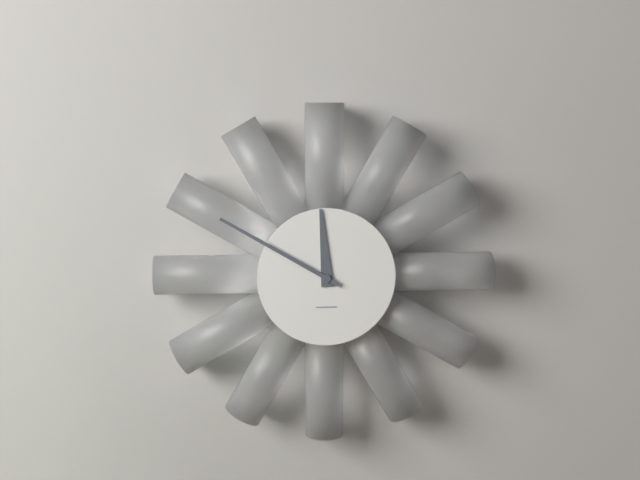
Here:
11,50
